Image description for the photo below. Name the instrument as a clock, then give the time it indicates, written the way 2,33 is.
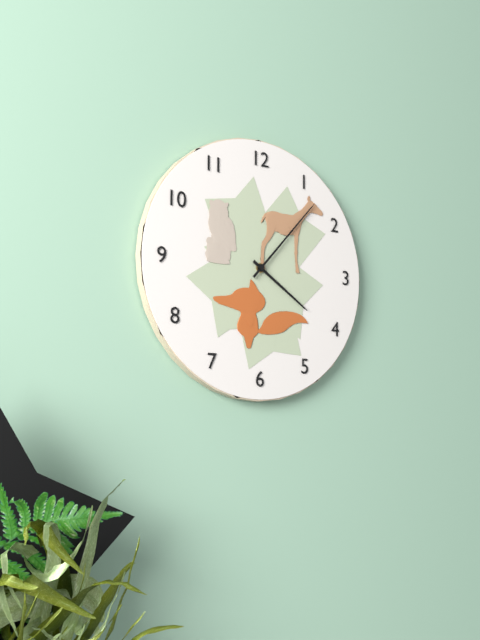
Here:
4,07
